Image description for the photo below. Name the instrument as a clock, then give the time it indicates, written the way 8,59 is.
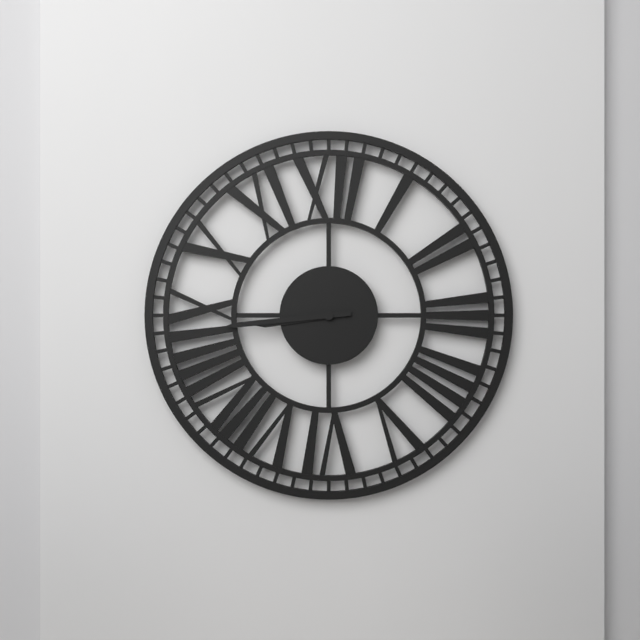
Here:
8,44
